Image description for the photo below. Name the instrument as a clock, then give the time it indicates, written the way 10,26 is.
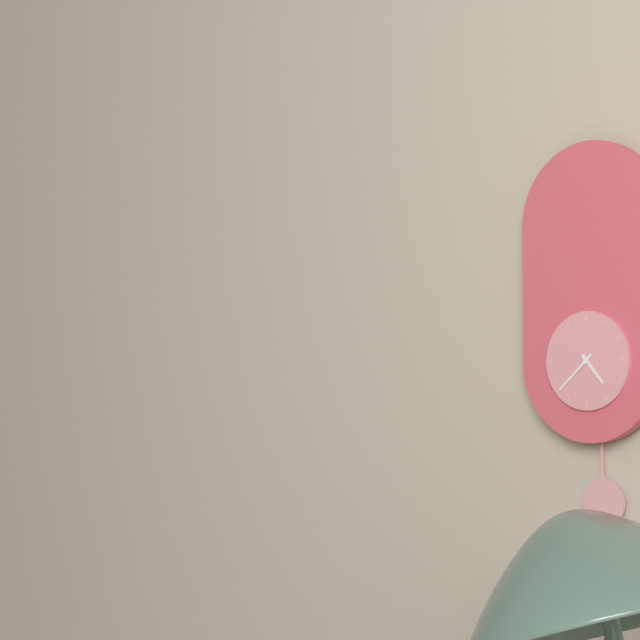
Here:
4,38
